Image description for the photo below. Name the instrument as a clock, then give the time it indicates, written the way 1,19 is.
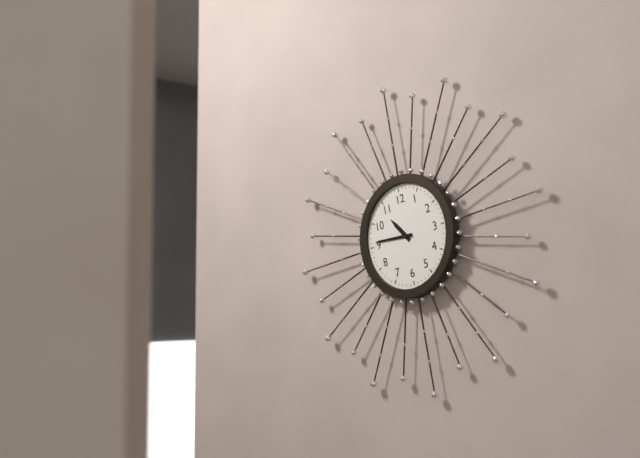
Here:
10,46
